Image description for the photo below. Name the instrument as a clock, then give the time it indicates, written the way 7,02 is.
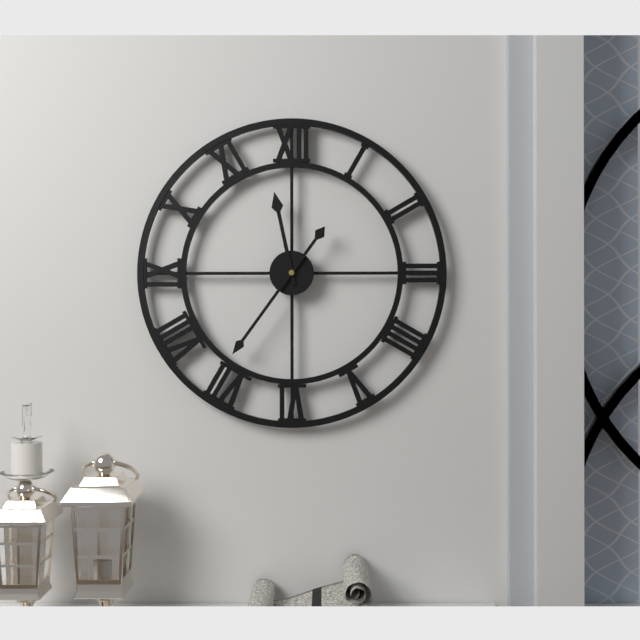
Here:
11,36
